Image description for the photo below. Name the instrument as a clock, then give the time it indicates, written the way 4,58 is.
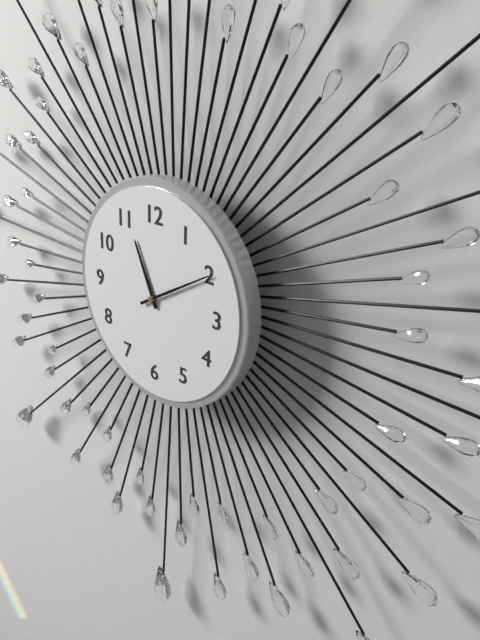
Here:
11,10
